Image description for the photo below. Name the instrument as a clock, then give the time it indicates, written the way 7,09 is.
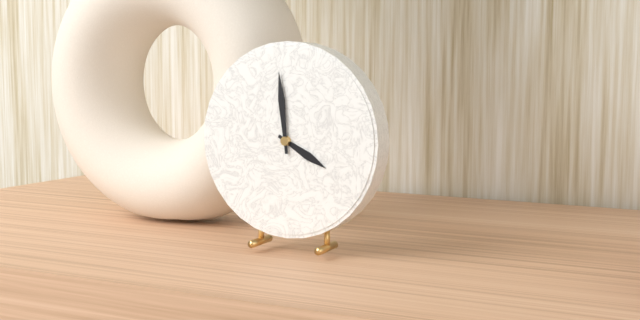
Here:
3,59
